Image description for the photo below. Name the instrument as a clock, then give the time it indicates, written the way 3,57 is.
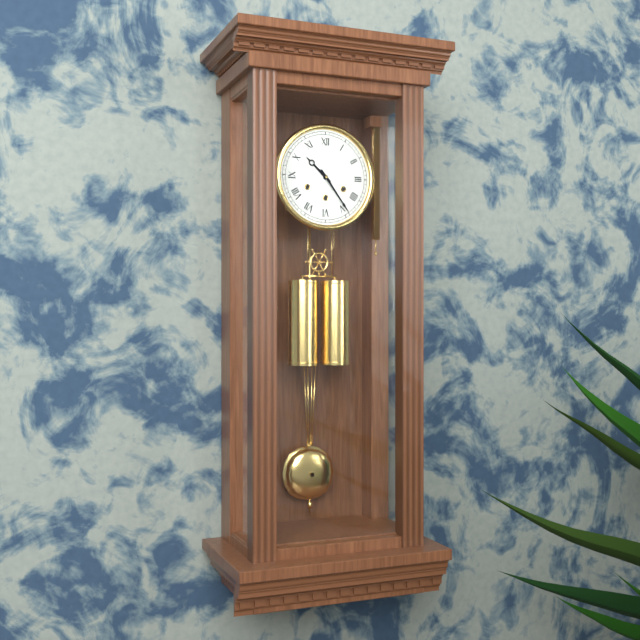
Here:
10,24
